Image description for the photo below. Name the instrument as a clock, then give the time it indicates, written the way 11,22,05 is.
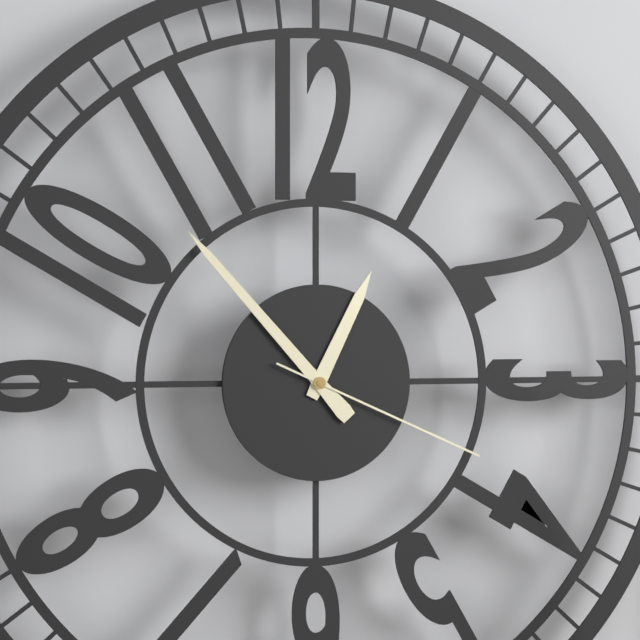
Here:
12,53,19
